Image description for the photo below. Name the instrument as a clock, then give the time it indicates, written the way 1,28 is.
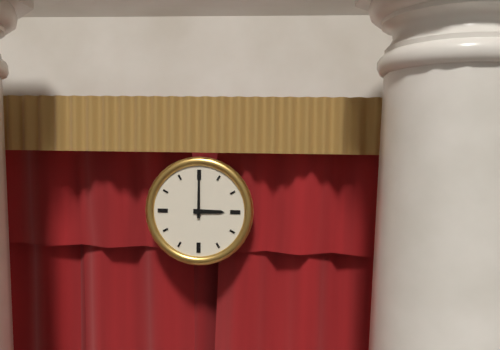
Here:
3,00
